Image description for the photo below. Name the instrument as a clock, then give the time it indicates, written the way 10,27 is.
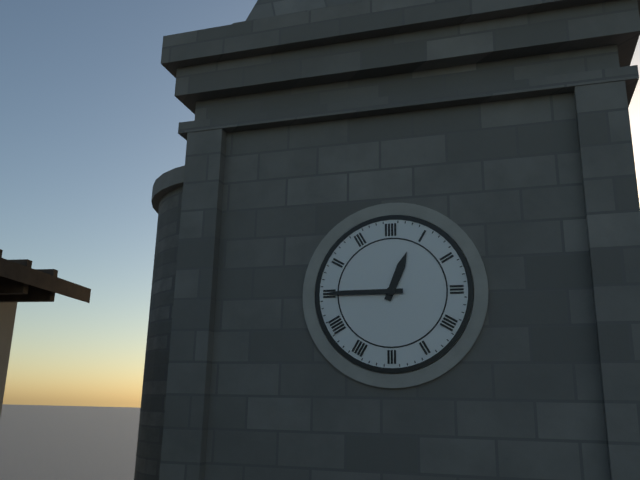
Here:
12,45
